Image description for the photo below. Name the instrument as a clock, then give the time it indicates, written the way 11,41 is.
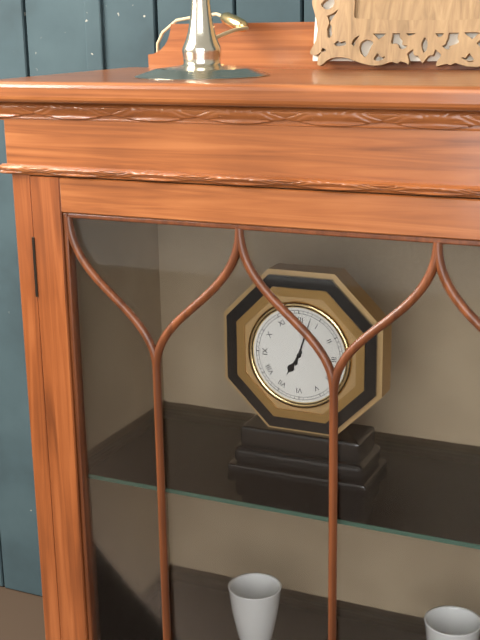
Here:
7,03
